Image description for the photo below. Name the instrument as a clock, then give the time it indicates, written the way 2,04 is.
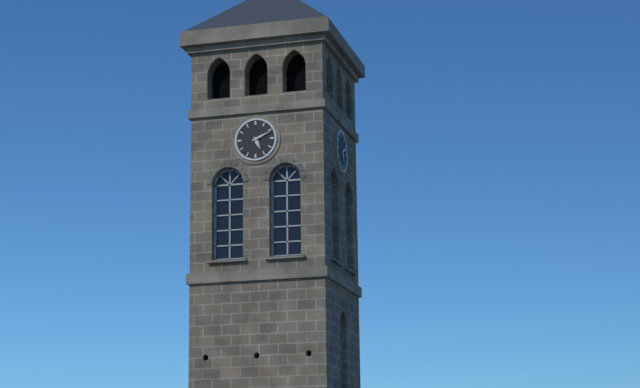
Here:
5,11
